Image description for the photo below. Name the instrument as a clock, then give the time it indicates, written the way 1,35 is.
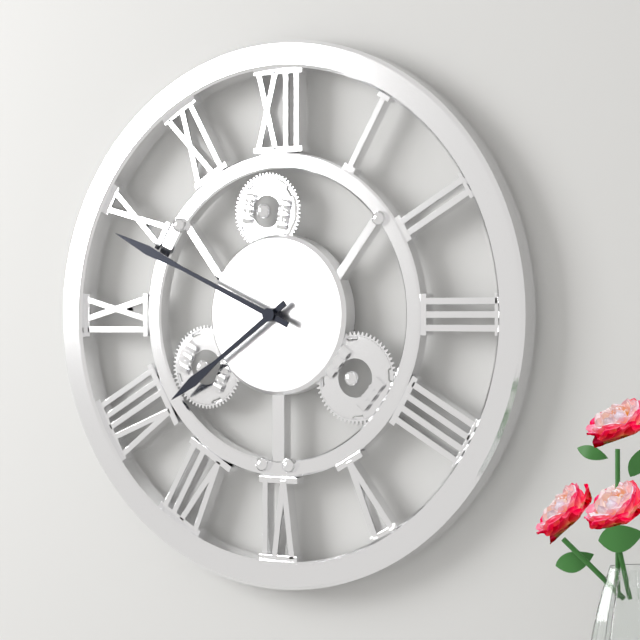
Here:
7,49
